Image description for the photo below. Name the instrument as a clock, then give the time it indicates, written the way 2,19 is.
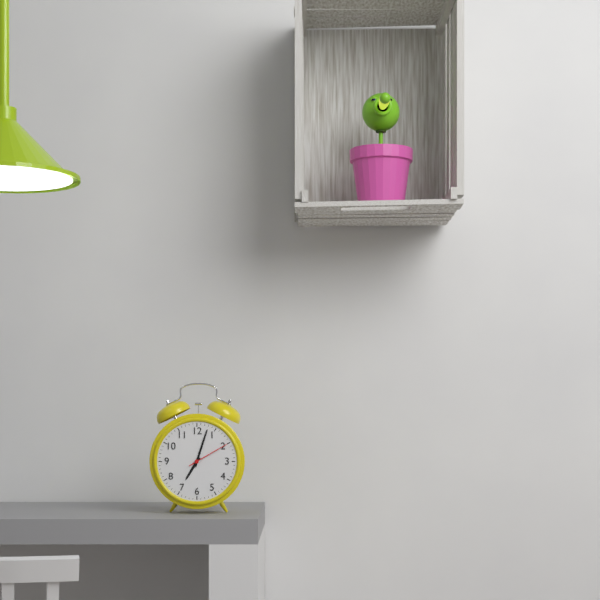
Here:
7,03
